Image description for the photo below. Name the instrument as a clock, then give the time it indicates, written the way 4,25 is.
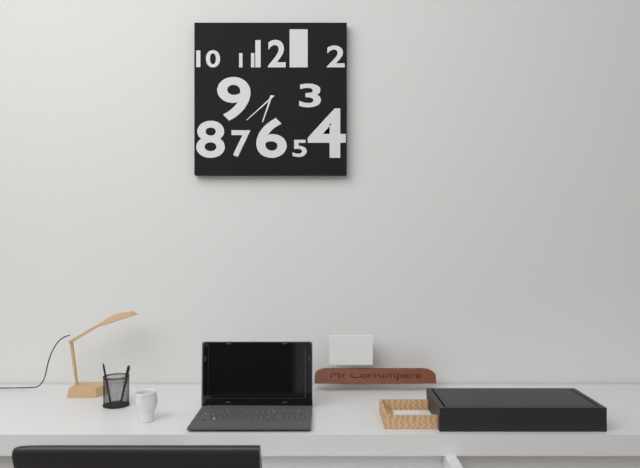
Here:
6,38
